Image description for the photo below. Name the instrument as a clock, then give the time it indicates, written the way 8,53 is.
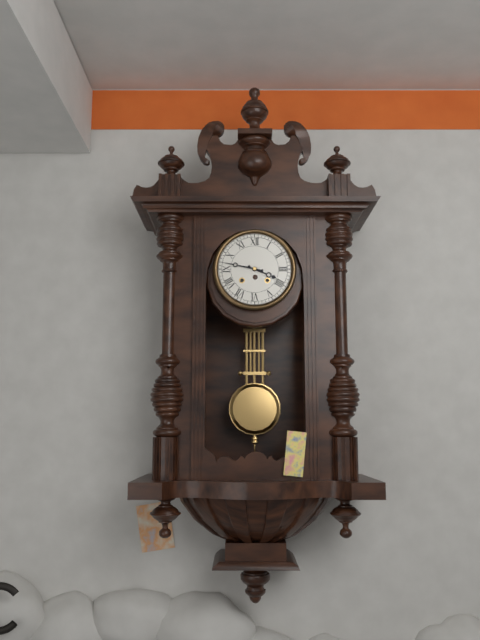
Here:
3,47
